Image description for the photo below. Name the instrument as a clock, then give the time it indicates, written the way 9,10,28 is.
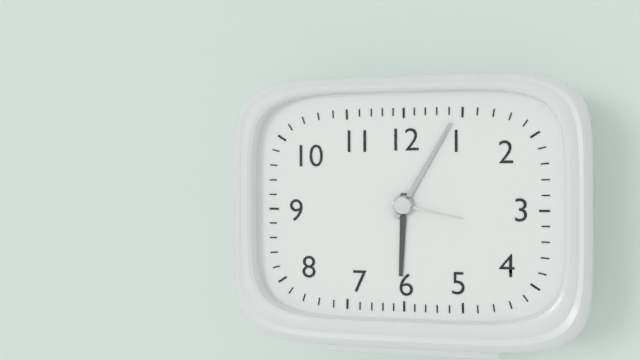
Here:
6,05,17
